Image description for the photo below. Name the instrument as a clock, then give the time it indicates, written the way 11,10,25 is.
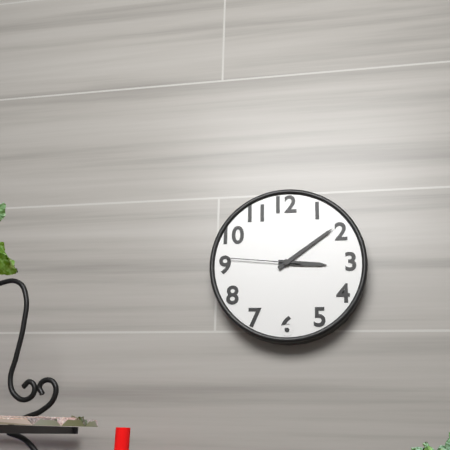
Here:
3,09,46
